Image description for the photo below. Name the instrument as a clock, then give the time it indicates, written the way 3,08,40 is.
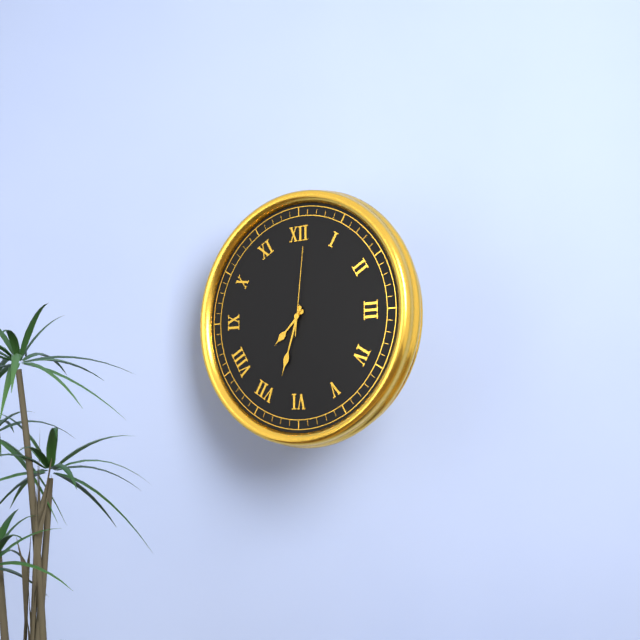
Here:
7,33,01
